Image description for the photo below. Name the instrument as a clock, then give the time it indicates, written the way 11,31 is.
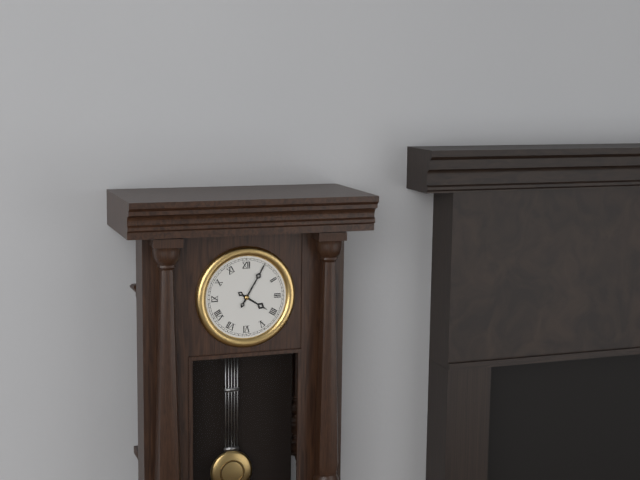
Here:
4,05
